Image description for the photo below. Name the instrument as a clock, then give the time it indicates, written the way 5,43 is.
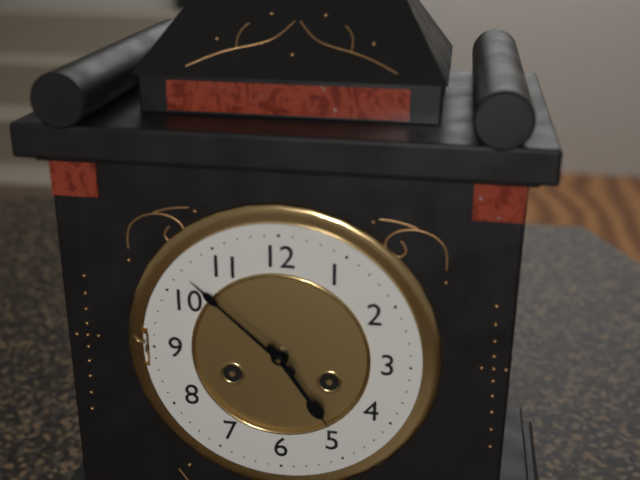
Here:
4,52
